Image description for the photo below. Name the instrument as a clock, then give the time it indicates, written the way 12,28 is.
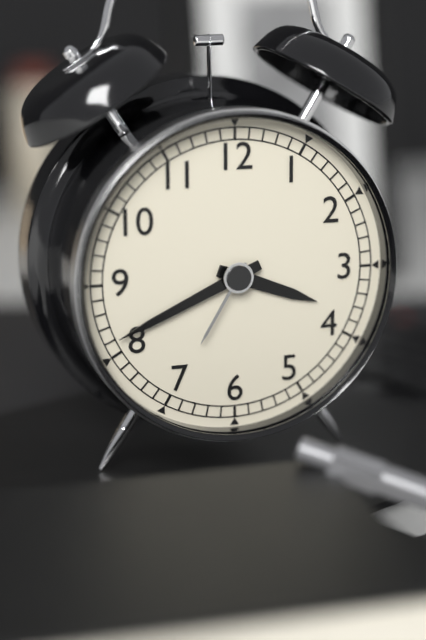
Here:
3,41
